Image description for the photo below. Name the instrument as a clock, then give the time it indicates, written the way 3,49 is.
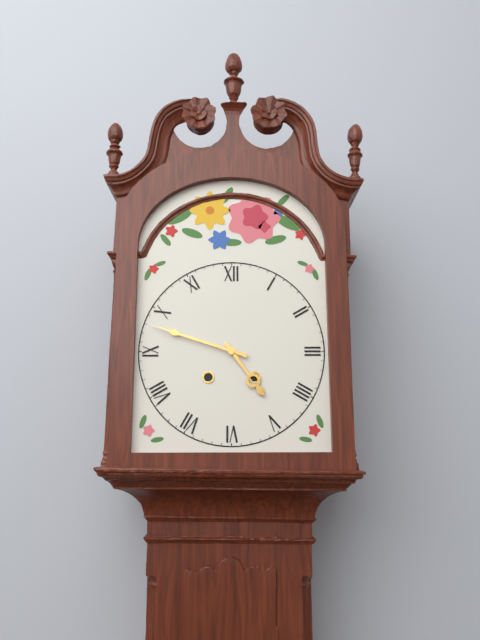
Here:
4,48
